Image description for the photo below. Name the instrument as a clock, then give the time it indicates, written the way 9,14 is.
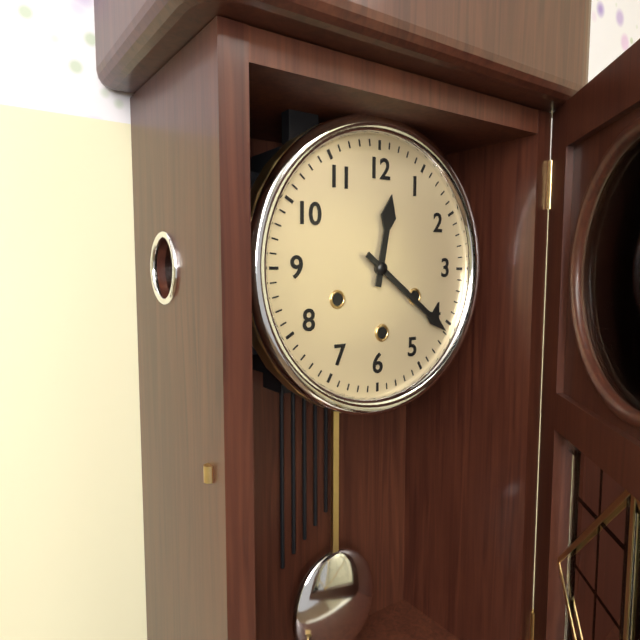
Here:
12,21
